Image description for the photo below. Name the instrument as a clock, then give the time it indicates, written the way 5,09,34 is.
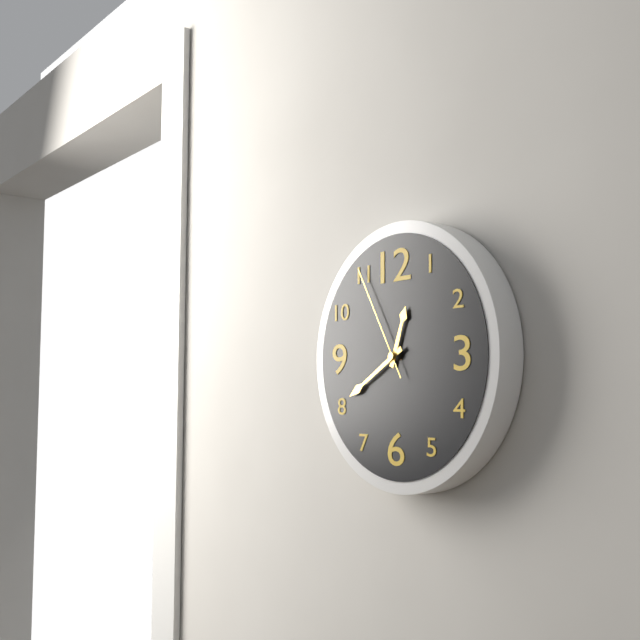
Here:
12,40,55
